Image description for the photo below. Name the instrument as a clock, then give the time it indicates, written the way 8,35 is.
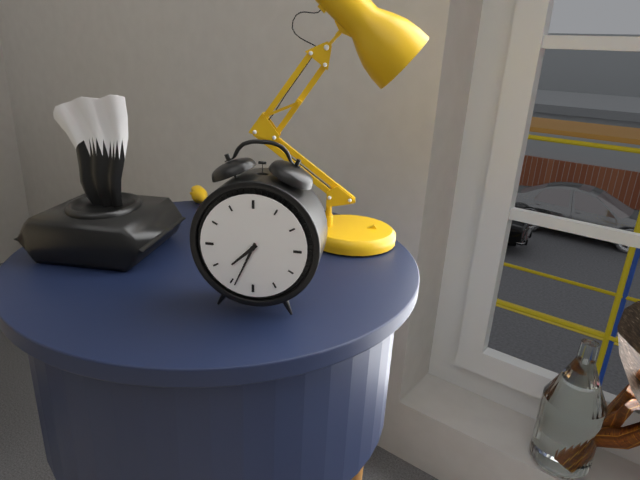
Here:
7,34
